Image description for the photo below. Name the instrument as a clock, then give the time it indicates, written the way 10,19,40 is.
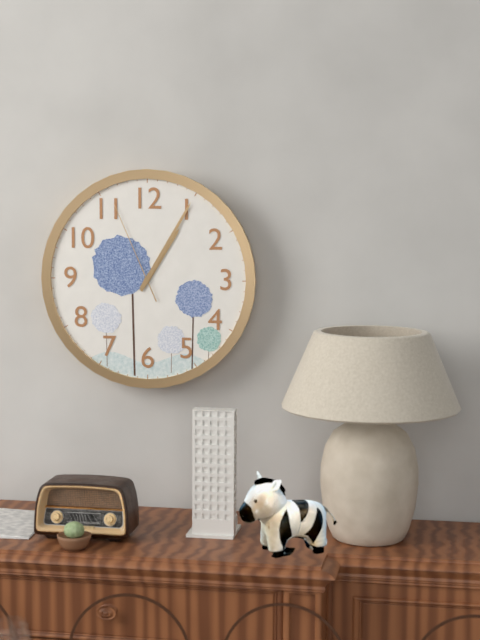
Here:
1,05,56
